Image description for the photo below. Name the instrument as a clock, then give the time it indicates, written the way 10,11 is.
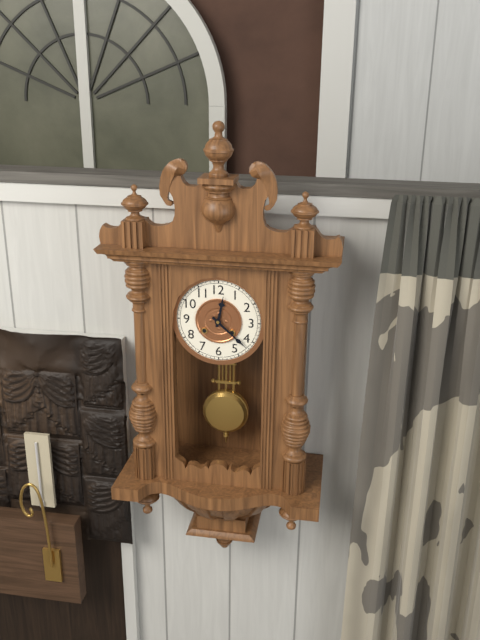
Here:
12,22
